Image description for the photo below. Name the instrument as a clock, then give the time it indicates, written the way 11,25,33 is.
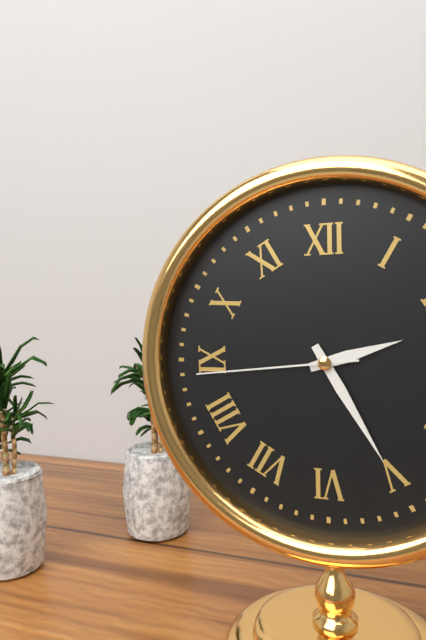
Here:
2,25,44
